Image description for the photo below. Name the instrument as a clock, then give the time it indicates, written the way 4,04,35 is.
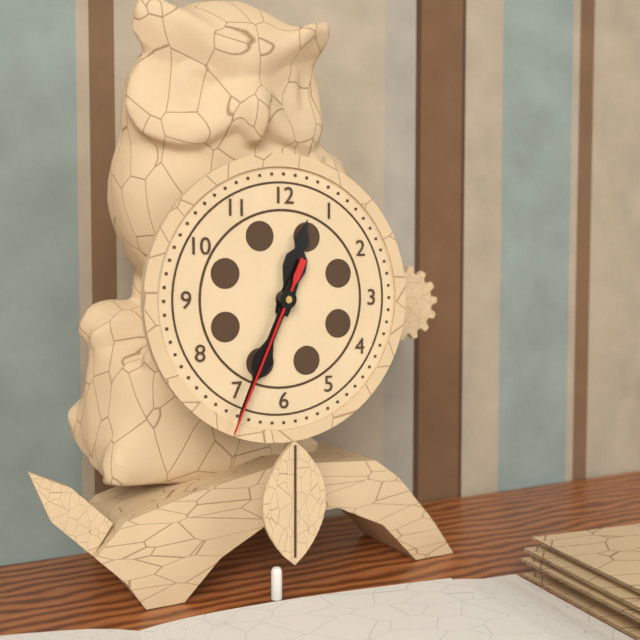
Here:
12,34,34
